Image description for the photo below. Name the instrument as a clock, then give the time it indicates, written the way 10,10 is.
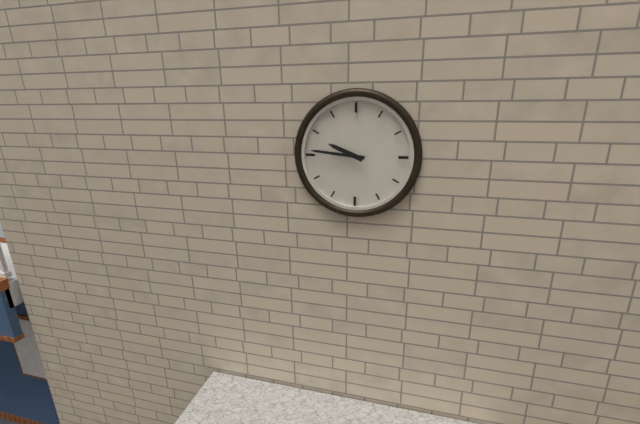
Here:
9,46
